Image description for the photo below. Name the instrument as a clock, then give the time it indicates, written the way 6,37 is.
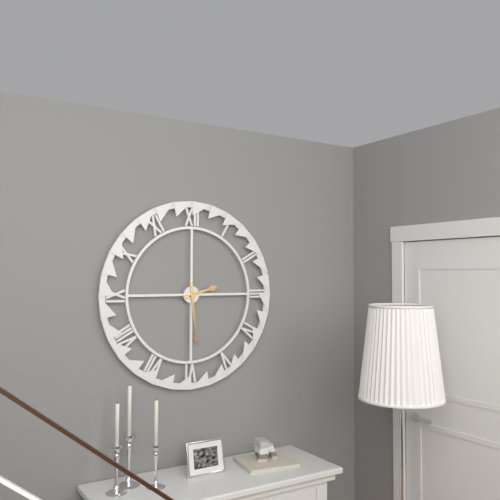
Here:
2,29
